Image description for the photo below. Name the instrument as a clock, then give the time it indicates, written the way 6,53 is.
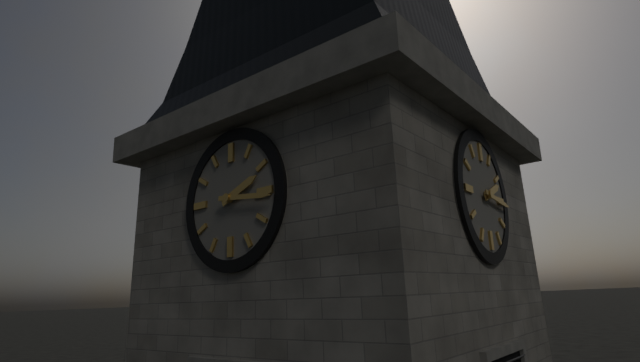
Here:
2,16
